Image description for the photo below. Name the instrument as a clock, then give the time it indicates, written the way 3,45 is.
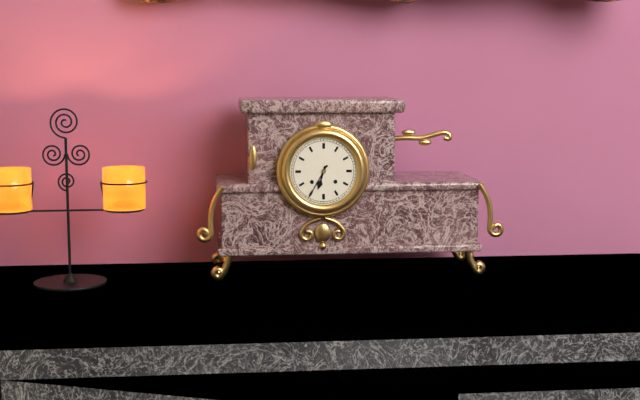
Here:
6,35
